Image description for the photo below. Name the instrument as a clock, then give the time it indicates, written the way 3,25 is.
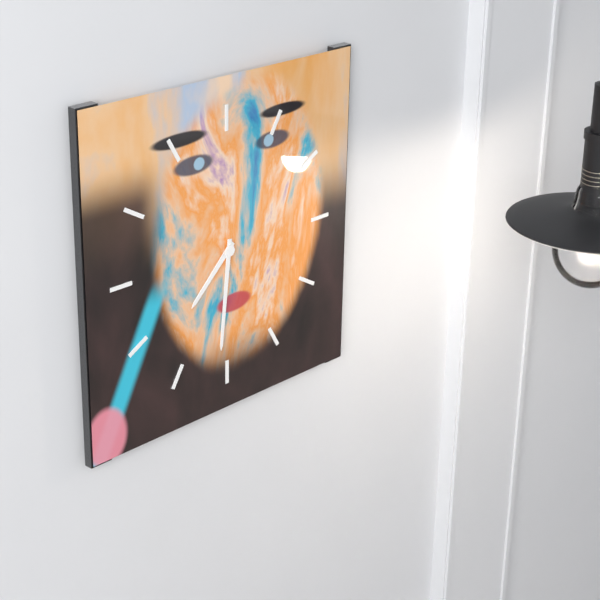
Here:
7,31
